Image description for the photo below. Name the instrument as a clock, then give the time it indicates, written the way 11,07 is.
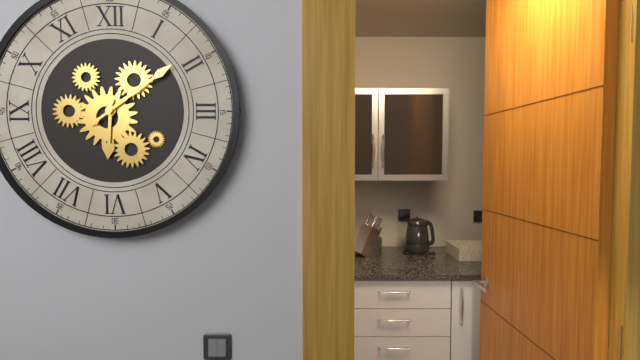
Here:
6,09
